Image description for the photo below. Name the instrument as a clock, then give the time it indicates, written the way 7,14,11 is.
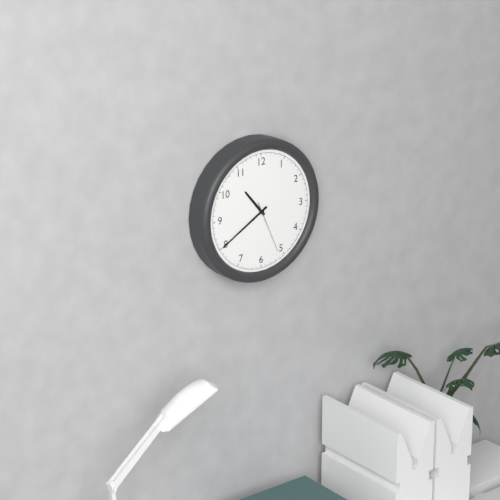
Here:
10,40,26
